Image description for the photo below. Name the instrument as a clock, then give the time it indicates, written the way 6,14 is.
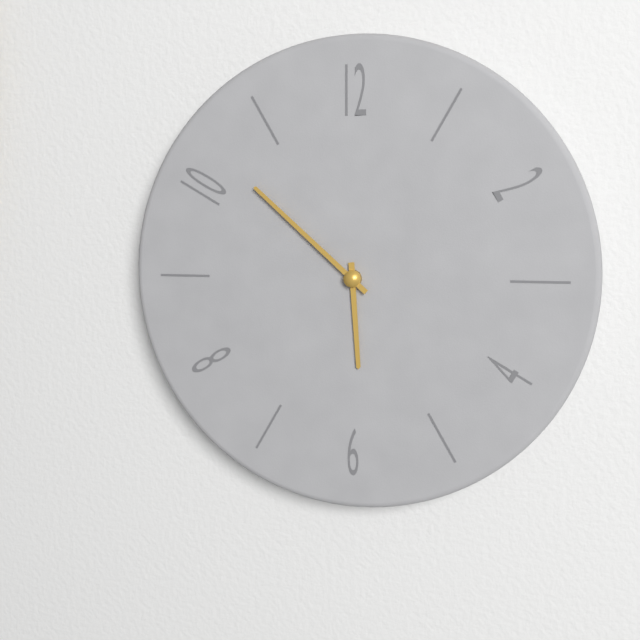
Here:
5,52
